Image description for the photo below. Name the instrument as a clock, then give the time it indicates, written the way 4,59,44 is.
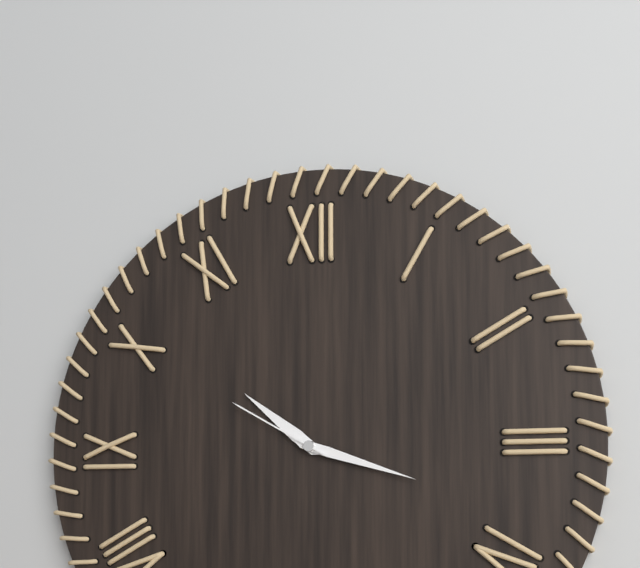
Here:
10,18,50
